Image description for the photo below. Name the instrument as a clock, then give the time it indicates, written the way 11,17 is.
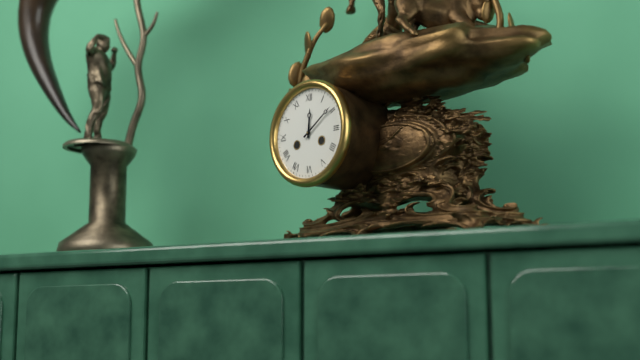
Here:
12,09
